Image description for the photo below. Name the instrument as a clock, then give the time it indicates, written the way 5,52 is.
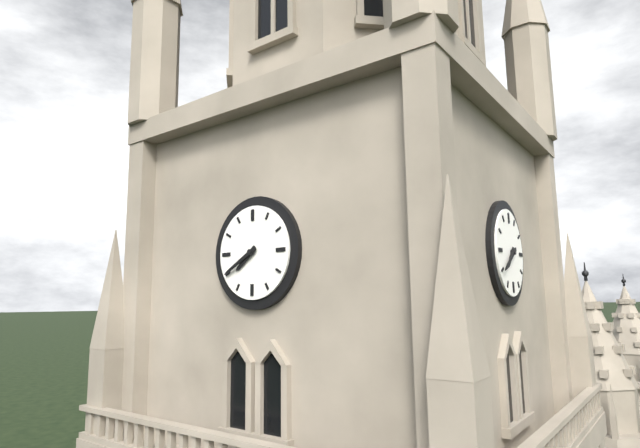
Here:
7,40
